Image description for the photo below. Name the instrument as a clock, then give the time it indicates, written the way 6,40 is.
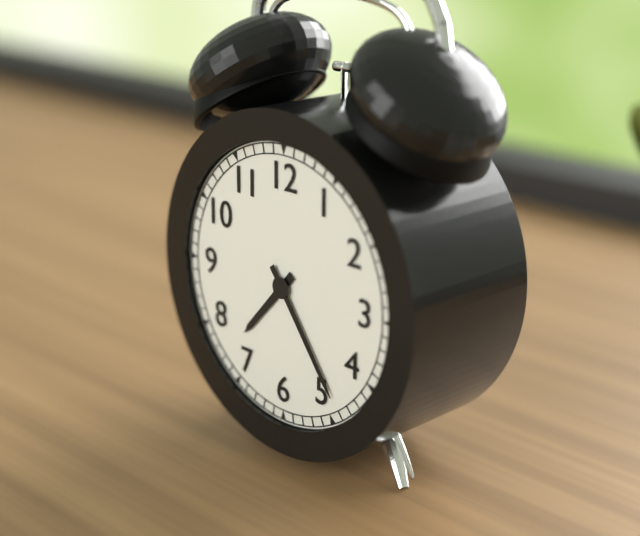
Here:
7,24
